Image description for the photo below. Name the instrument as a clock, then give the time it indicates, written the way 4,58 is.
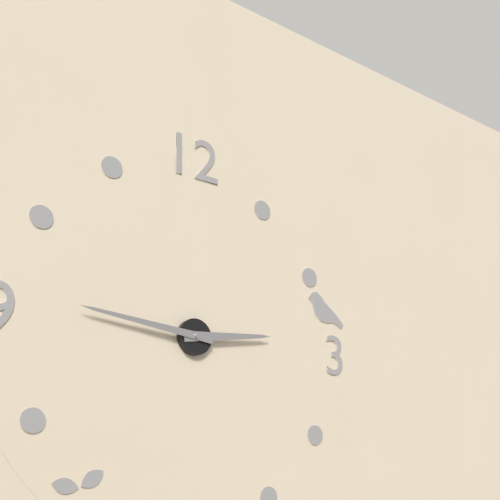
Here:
2,46
